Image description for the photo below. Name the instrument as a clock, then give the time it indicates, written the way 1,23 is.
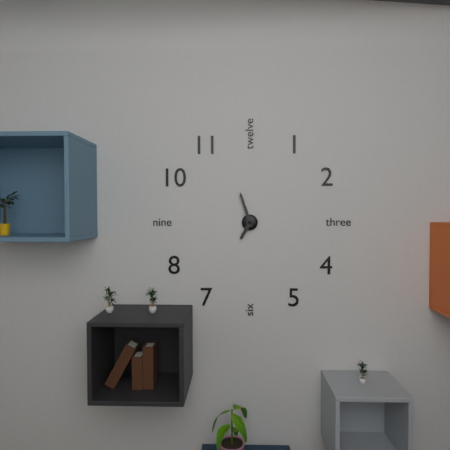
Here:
6,57
